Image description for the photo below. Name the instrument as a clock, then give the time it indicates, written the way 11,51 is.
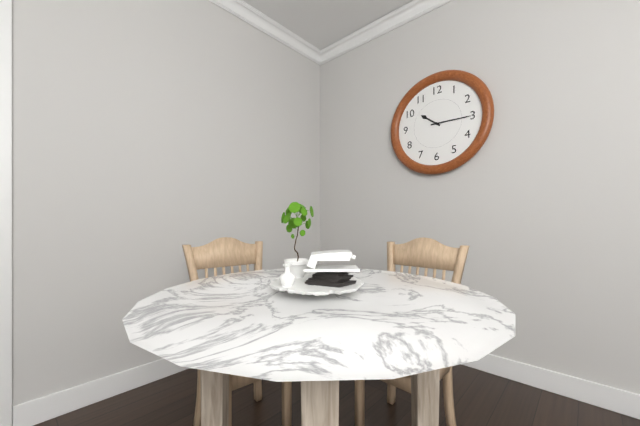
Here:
10,15
